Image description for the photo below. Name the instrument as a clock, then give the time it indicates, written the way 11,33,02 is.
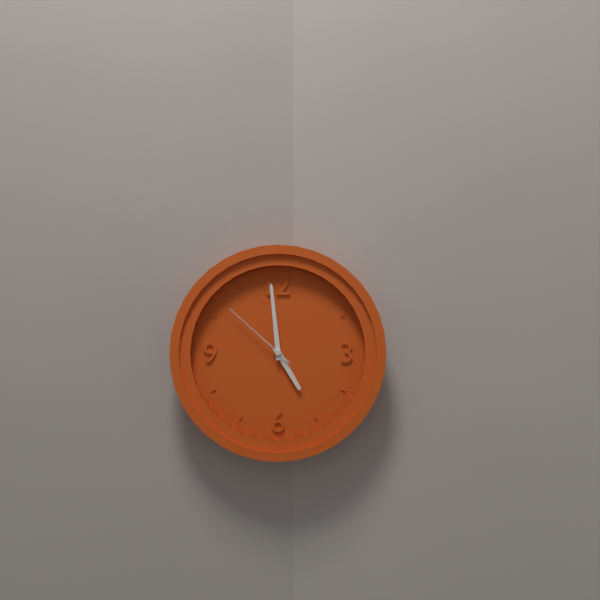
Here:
4,59,52
